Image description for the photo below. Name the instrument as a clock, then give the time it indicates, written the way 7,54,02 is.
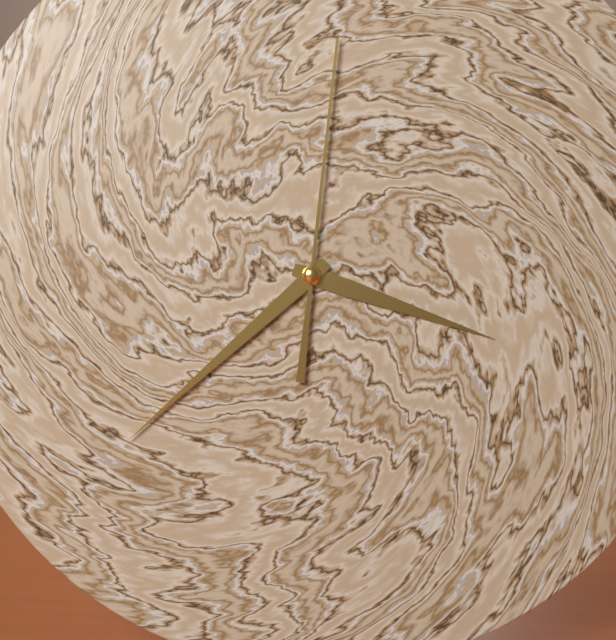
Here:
3,38,01
